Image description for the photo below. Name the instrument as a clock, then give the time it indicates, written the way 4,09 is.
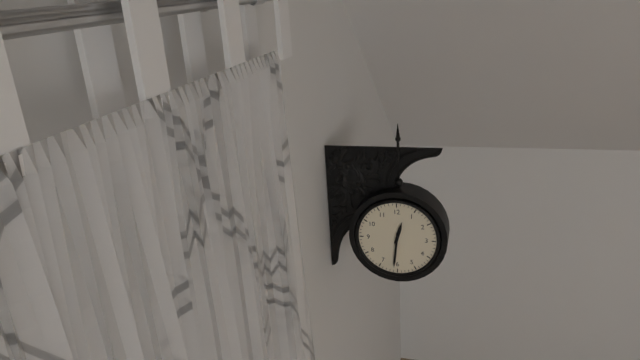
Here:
12,31
